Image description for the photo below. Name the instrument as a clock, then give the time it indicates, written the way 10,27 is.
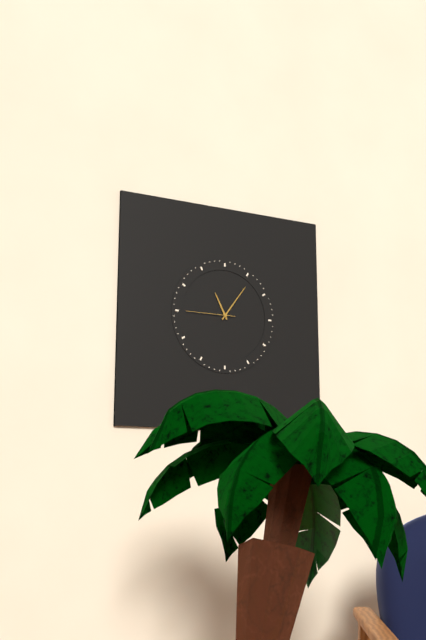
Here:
11,06
